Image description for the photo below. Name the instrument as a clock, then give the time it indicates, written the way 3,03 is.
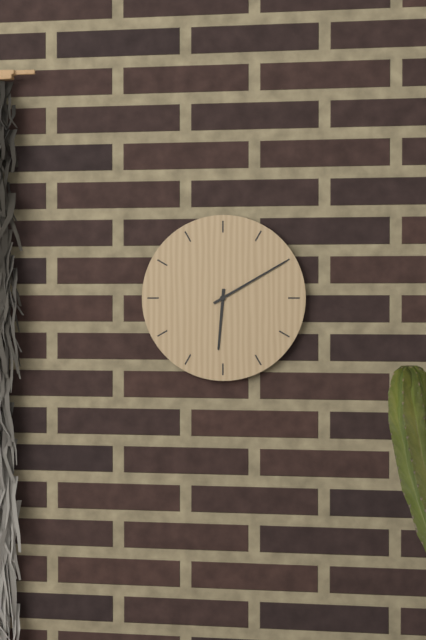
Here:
6,10
